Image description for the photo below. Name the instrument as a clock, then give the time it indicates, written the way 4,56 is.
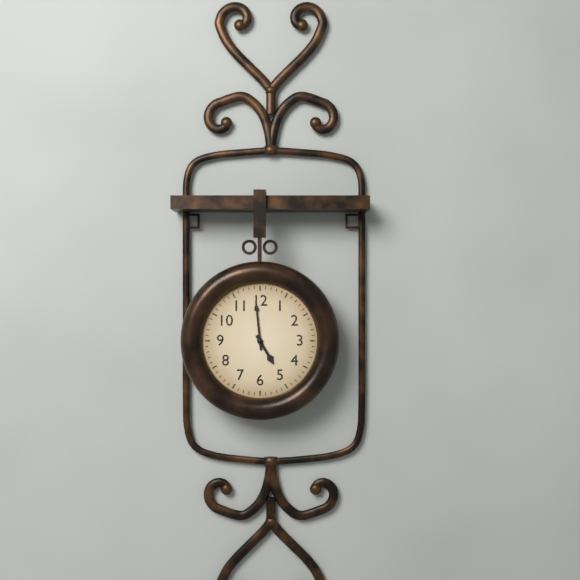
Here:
4,59
